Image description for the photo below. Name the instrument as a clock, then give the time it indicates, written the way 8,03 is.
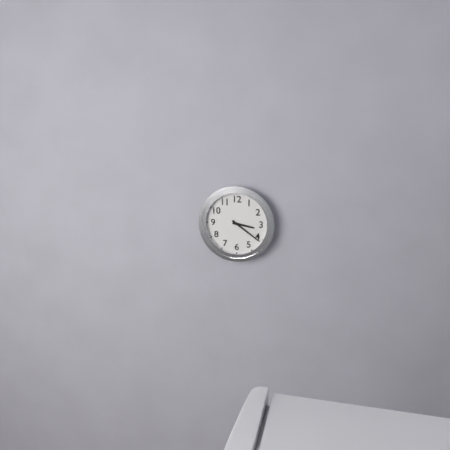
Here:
3,21
